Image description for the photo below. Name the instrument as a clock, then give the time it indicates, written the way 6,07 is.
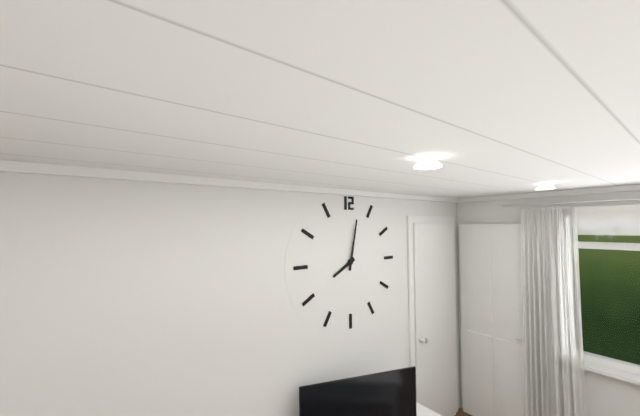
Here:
8,02
